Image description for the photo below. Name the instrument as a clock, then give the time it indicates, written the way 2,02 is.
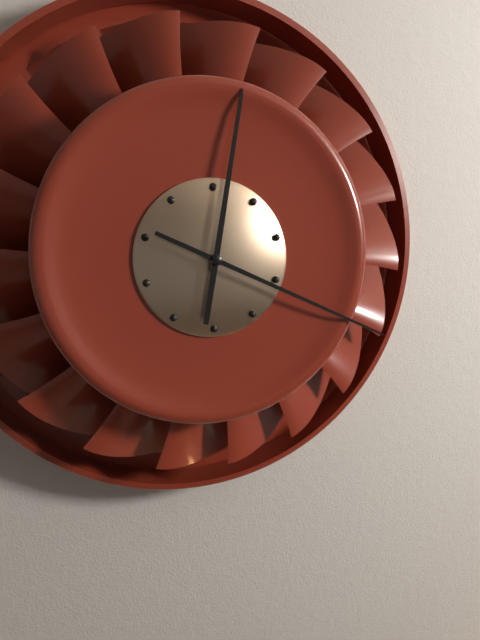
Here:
12,19
